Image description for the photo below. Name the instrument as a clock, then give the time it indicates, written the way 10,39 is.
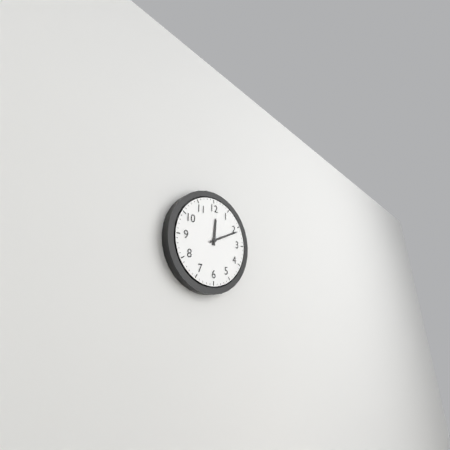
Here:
12,11
